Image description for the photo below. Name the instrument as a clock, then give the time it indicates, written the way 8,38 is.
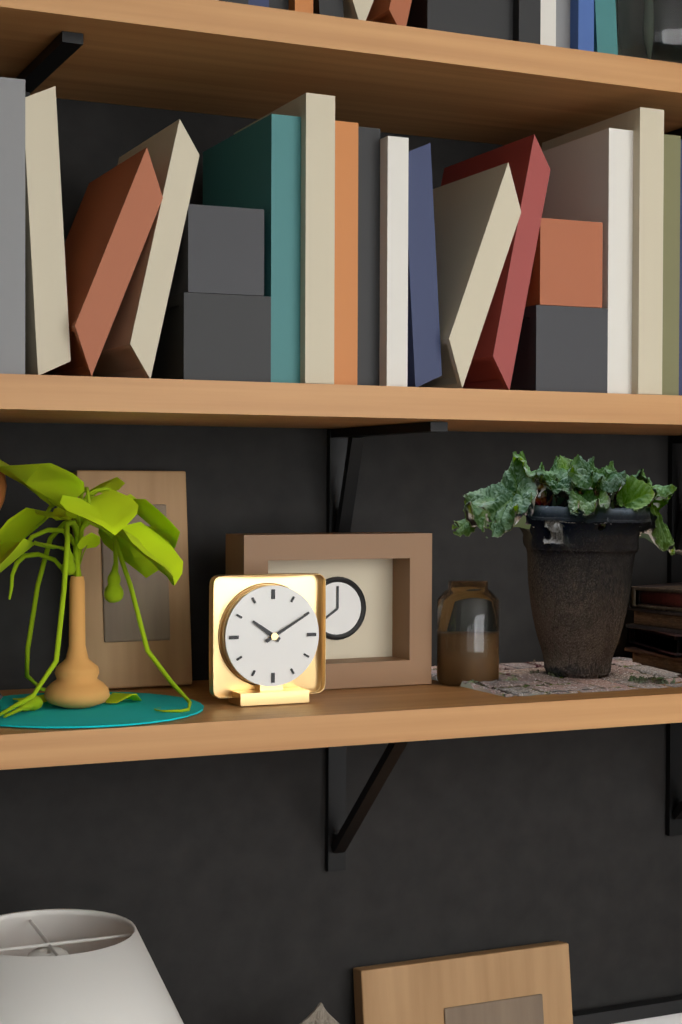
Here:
10,10
